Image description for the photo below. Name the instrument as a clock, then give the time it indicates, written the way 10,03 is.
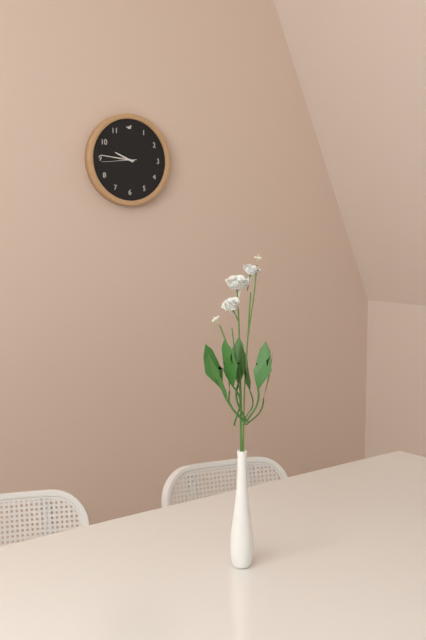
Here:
9,46
